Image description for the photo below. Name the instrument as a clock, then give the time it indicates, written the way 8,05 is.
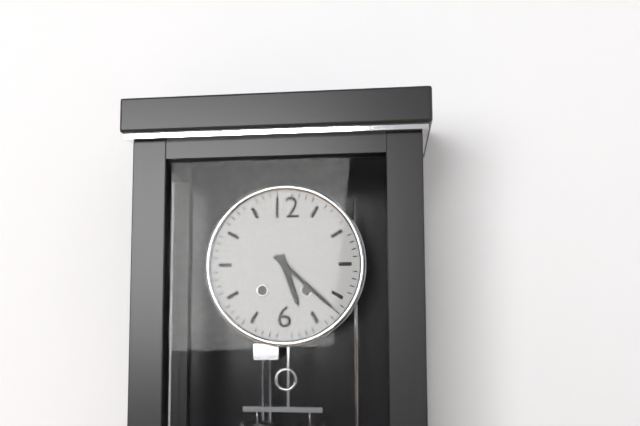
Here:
5,22
